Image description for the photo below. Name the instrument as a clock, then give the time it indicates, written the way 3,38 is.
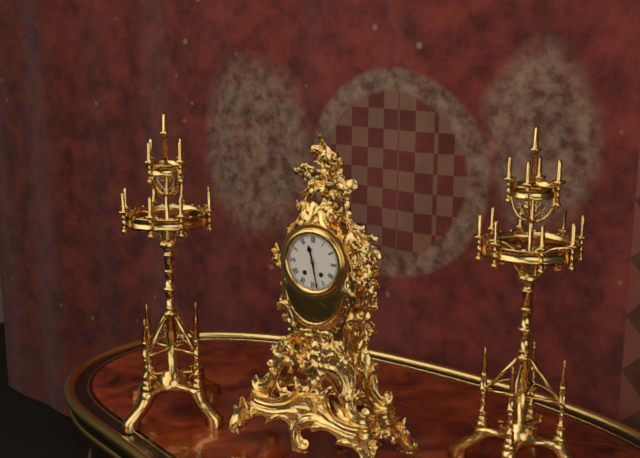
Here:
11,28
